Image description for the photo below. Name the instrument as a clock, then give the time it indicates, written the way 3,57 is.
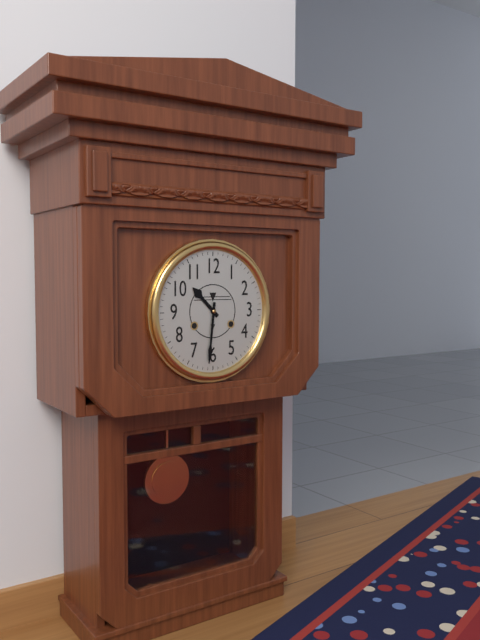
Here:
10,31
